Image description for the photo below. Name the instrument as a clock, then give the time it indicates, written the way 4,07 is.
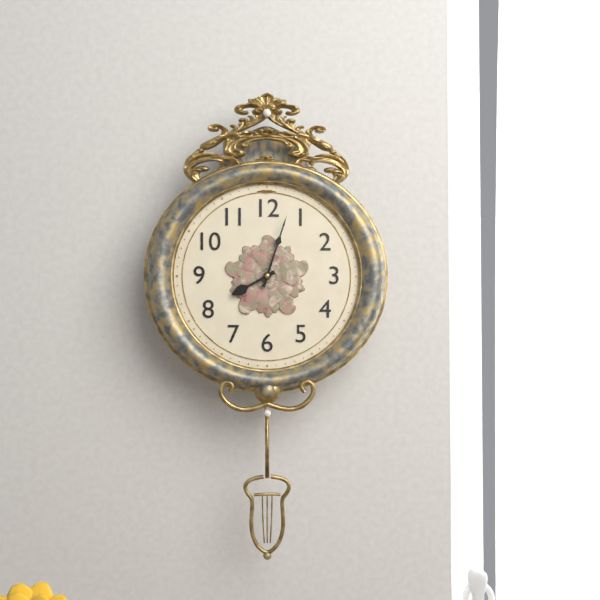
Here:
8,03
